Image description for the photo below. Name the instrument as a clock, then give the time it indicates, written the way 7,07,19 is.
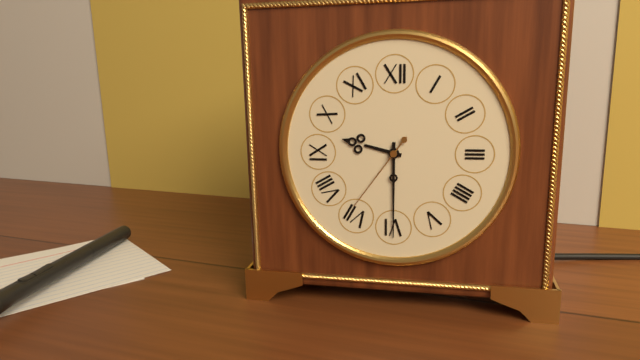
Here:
9,30,36
